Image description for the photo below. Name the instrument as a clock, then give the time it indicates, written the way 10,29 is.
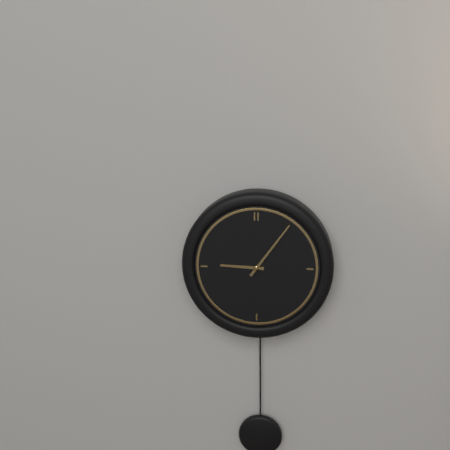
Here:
9,06
